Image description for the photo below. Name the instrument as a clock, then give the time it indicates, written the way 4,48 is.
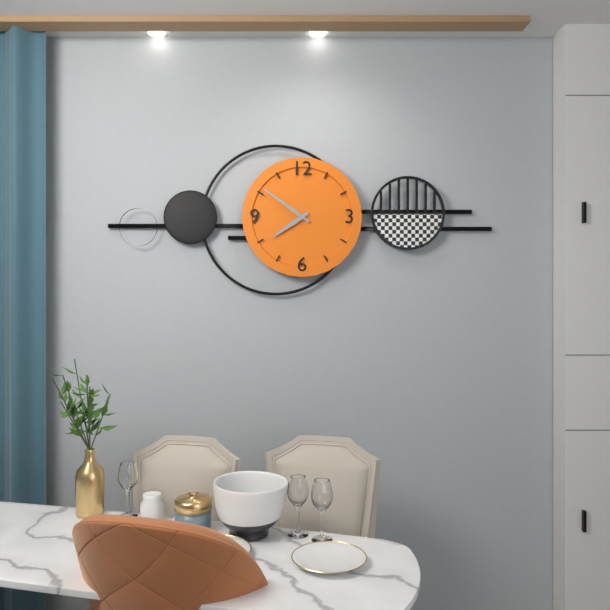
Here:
7,51
